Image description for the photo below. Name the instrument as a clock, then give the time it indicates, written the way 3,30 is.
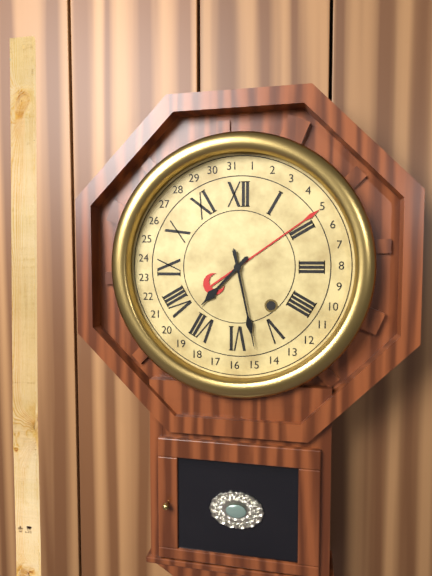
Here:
7,28
